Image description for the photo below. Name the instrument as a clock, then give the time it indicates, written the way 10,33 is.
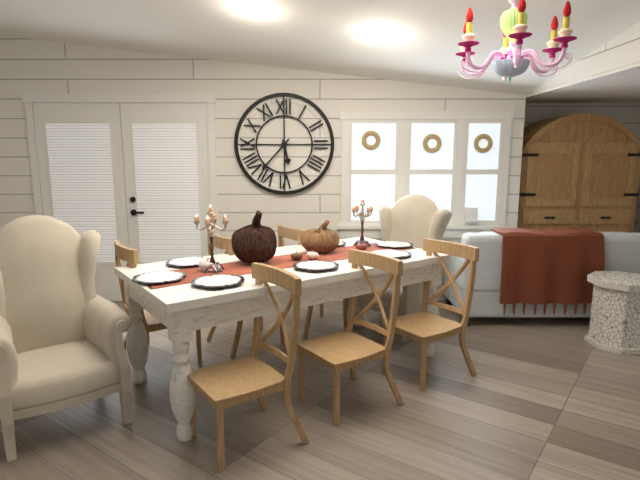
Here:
5,37
